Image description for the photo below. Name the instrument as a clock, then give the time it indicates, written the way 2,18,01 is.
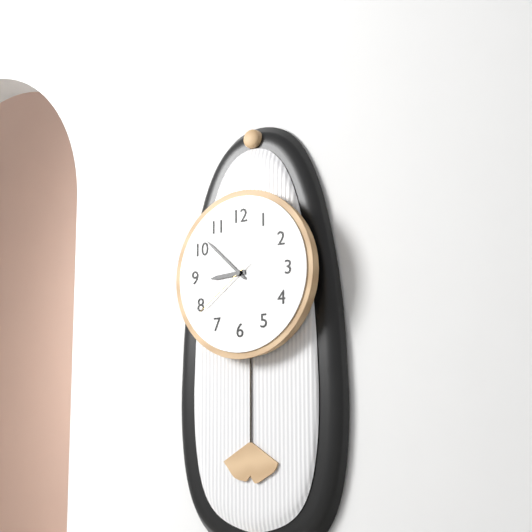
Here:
8,52,39
